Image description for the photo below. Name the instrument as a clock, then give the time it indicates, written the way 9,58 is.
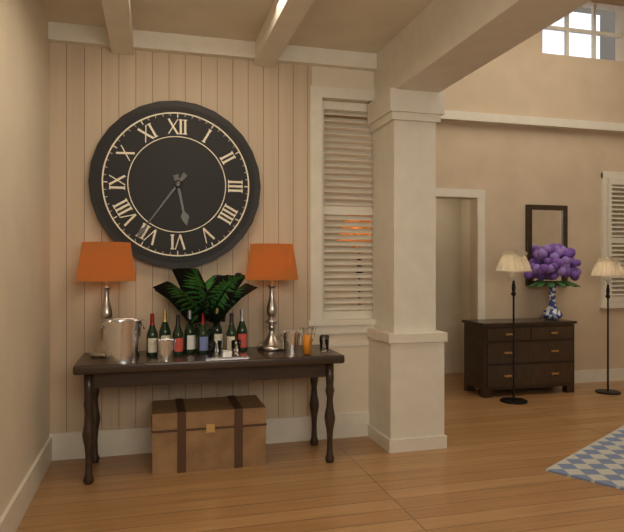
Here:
5,36
